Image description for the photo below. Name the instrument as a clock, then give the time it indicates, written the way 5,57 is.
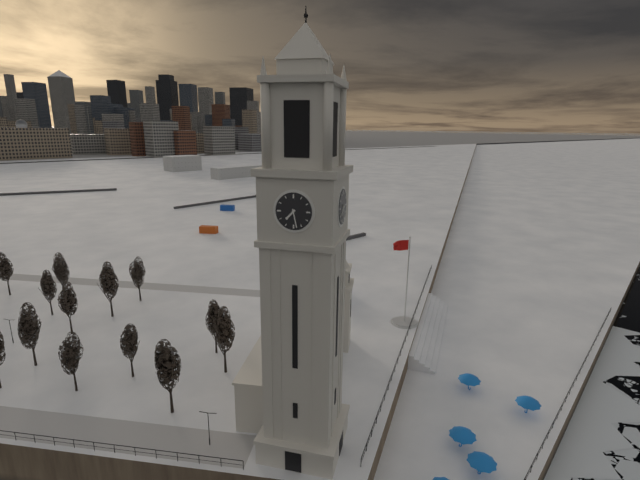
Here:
7,28
